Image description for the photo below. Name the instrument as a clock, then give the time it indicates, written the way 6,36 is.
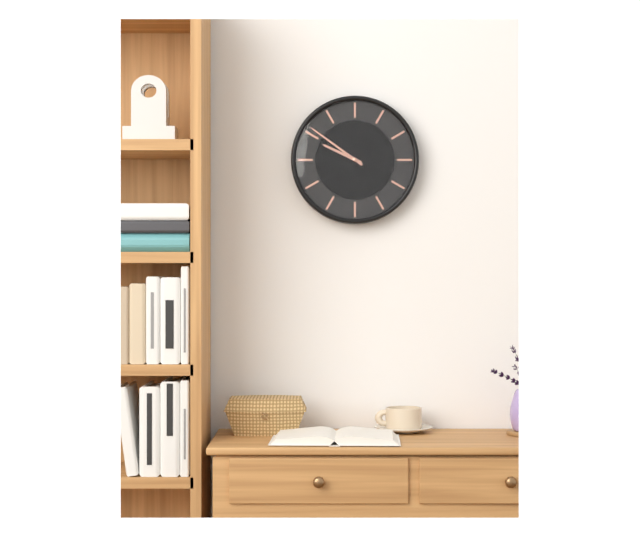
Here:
9,51
